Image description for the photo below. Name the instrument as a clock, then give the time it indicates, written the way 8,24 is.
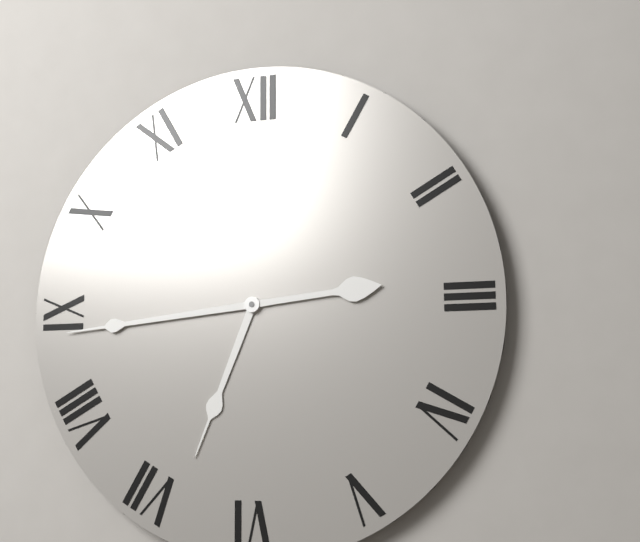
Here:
6,44
